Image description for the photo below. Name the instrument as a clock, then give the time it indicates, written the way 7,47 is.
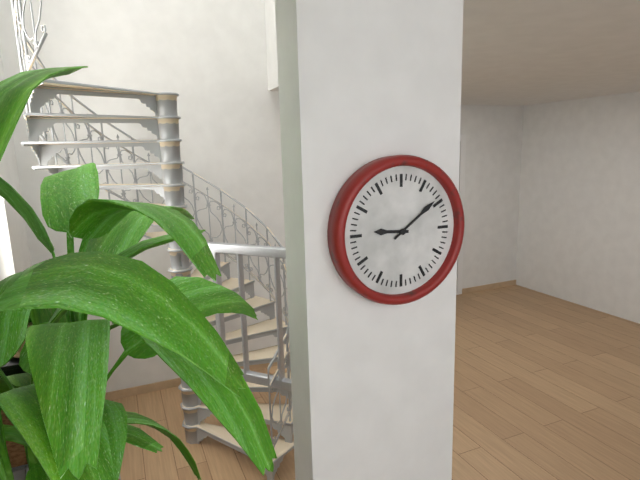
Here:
9,09
